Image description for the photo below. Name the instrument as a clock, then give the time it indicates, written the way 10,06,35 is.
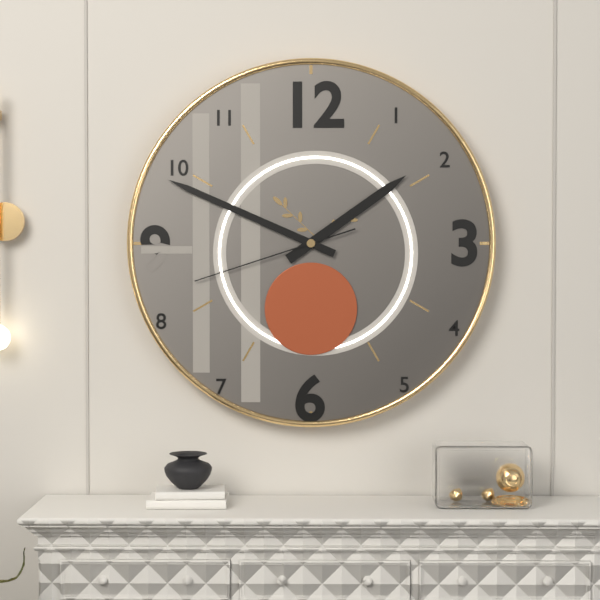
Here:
1,49,42
